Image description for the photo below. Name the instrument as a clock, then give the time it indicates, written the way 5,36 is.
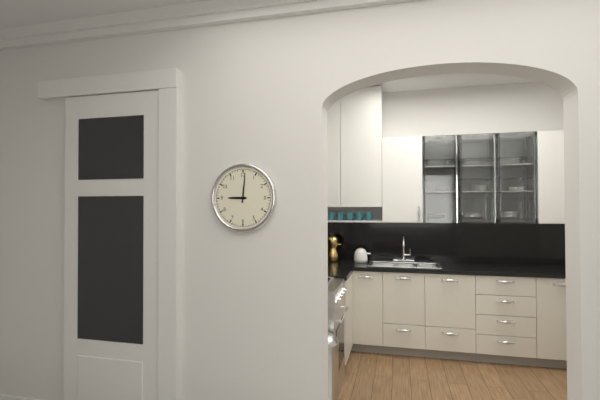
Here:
9,01
